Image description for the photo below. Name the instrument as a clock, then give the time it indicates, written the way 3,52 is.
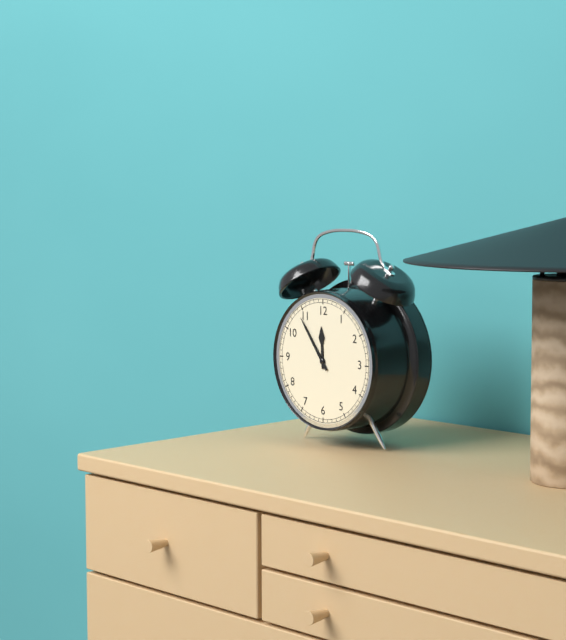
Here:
11,54
